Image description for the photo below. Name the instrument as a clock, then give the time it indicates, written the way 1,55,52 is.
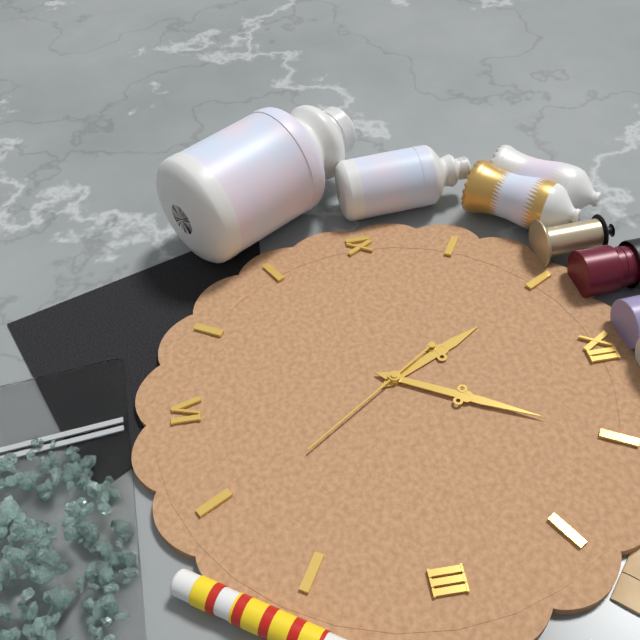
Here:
11,05,24
